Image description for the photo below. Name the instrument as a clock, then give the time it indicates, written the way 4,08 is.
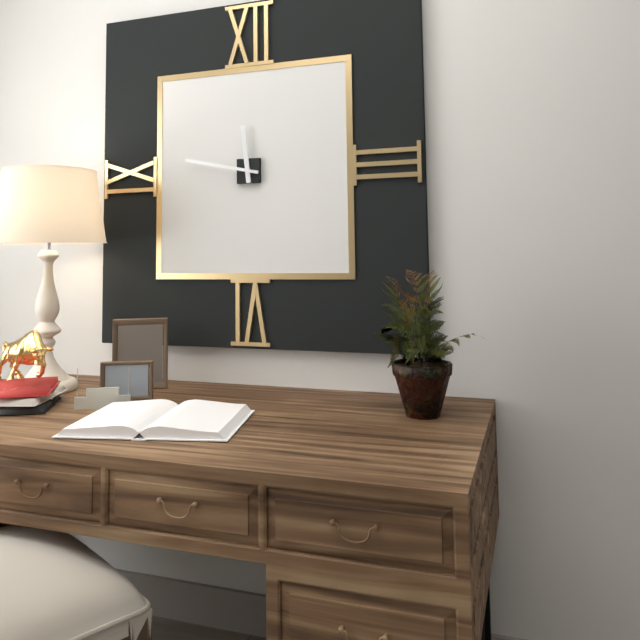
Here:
11,47
